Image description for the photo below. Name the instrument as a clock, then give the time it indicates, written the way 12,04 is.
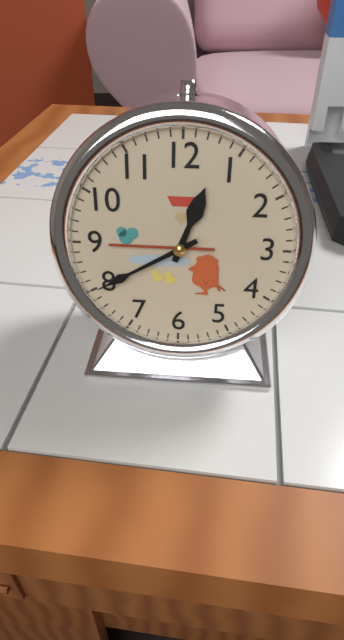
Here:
12,40
